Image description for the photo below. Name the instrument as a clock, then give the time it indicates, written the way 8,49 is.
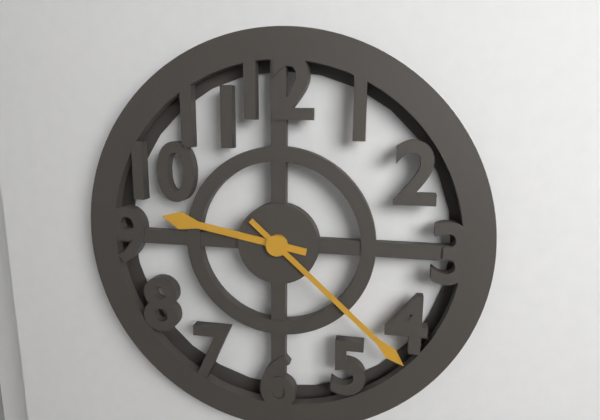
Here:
9,22
